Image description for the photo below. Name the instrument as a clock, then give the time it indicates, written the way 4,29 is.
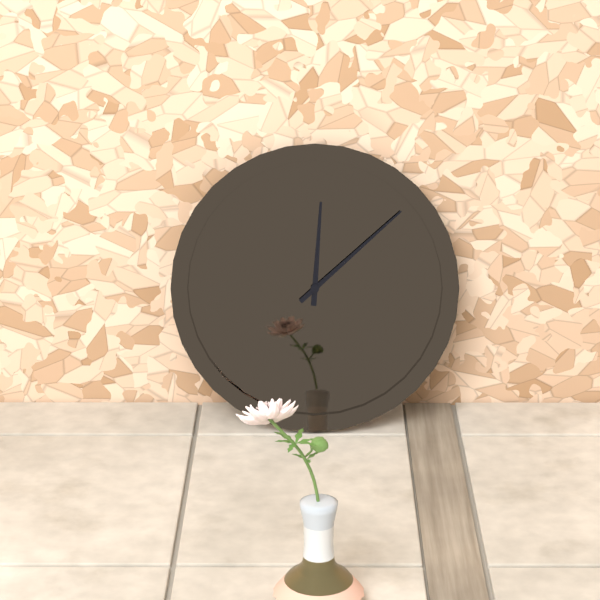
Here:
12,08
